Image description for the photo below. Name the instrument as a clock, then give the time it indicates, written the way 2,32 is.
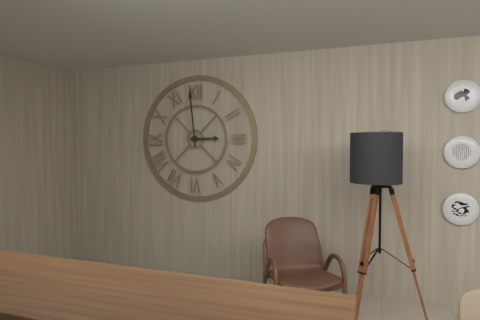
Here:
2,59
